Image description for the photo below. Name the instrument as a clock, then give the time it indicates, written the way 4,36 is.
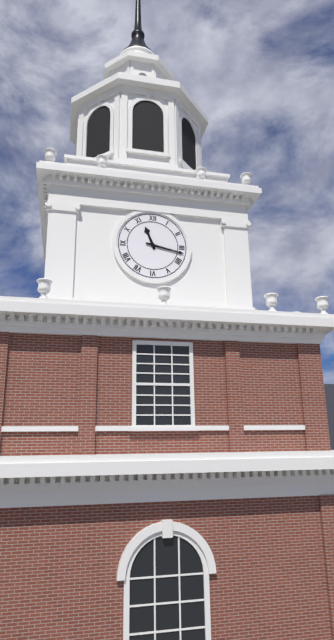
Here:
11,17
